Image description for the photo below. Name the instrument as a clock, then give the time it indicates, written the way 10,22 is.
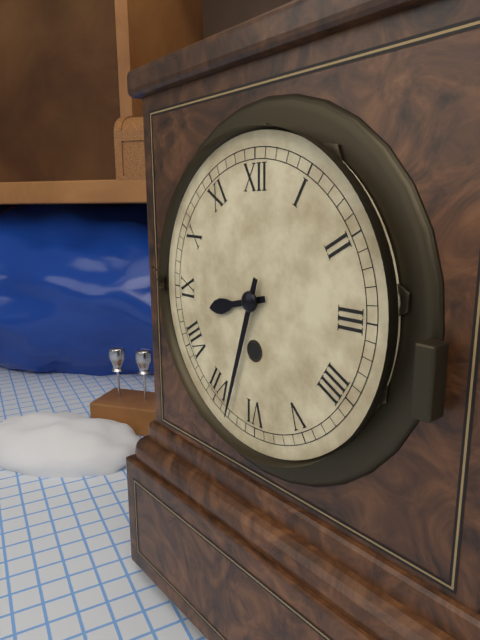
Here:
8,33
